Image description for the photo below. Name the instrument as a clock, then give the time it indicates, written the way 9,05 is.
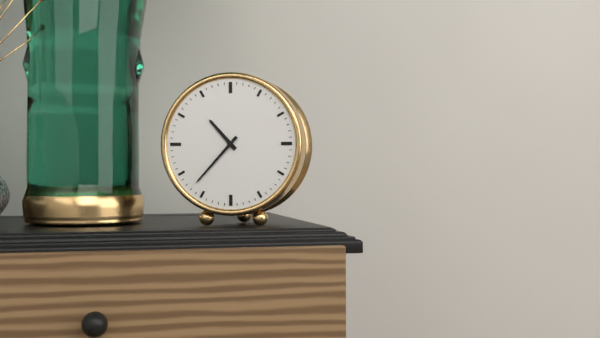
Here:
10,37
